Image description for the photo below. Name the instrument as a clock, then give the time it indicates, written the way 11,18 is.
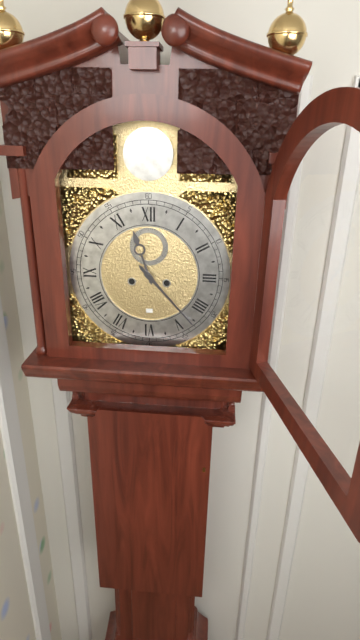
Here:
11,23
